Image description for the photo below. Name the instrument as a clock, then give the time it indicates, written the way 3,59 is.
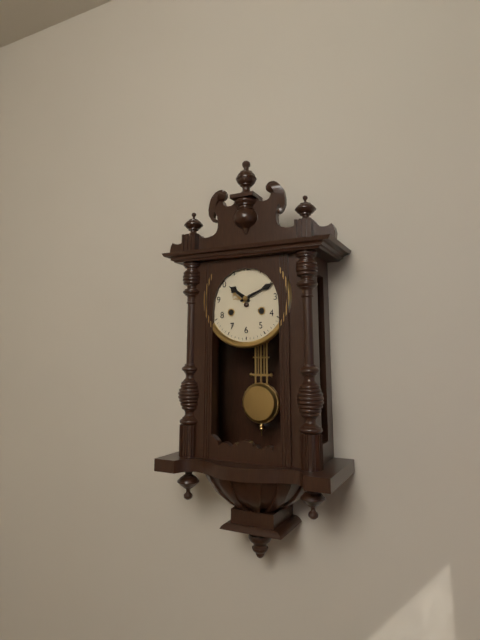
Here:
10,11
